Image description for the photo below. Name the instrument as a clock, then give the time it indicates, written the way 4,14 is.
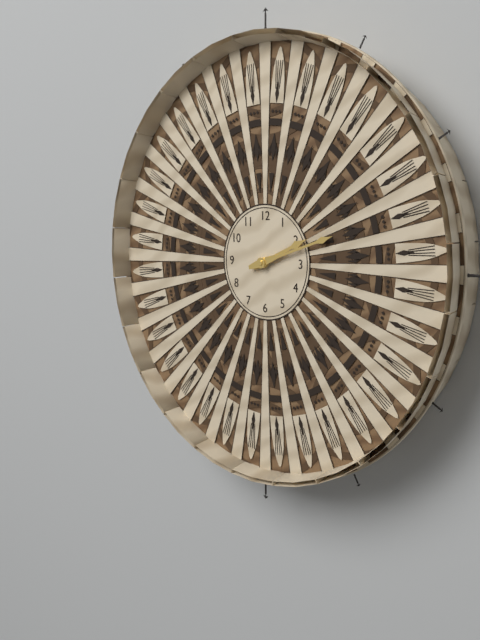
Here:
2,12
